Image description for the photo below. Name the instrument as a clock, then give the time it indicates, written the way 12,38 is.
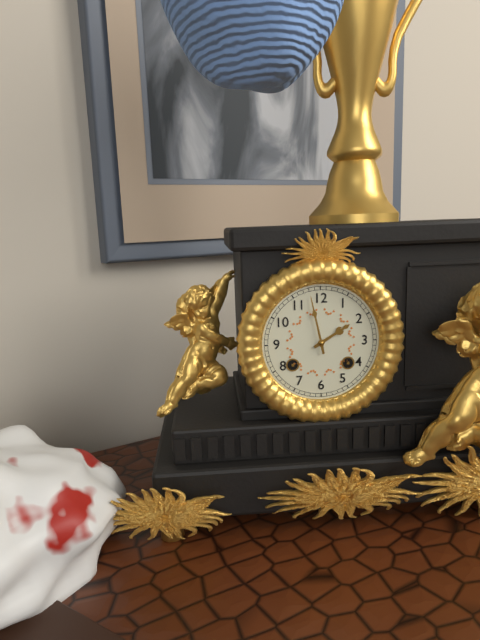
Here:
1,58
